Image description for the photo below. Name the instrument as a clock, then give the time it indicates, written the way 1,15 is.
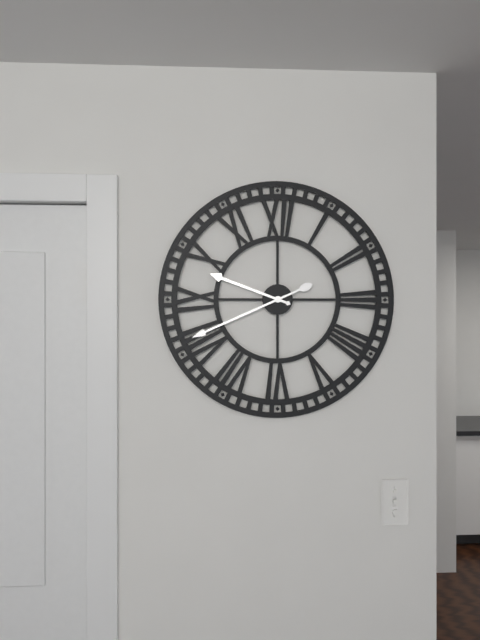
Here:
9,41
